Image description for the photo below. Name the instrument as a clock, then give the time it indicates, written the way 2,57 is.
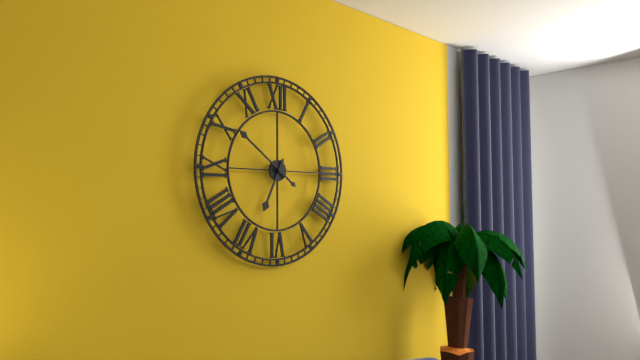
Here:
6,51
